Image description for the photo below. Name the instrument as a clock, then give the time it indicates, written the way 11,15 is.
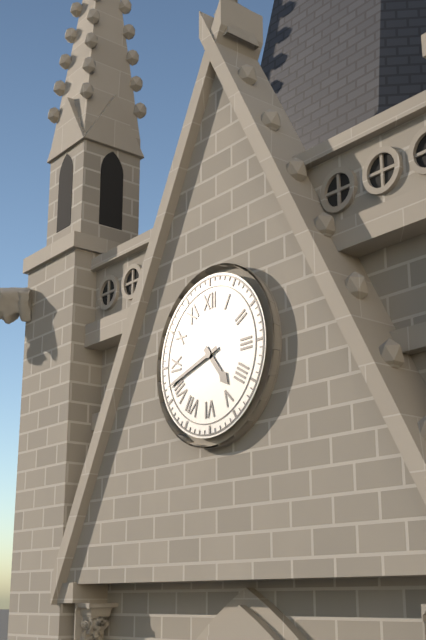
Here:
4,42
